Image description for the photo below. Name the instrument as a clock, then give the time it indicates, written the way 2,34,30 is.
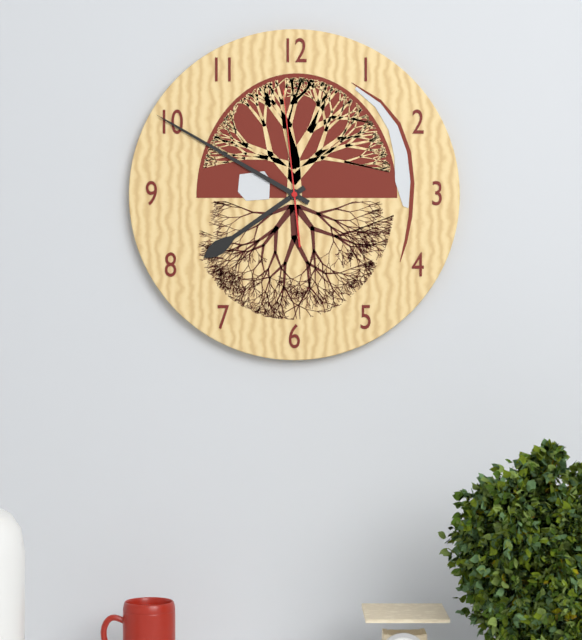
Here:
7,50,59
